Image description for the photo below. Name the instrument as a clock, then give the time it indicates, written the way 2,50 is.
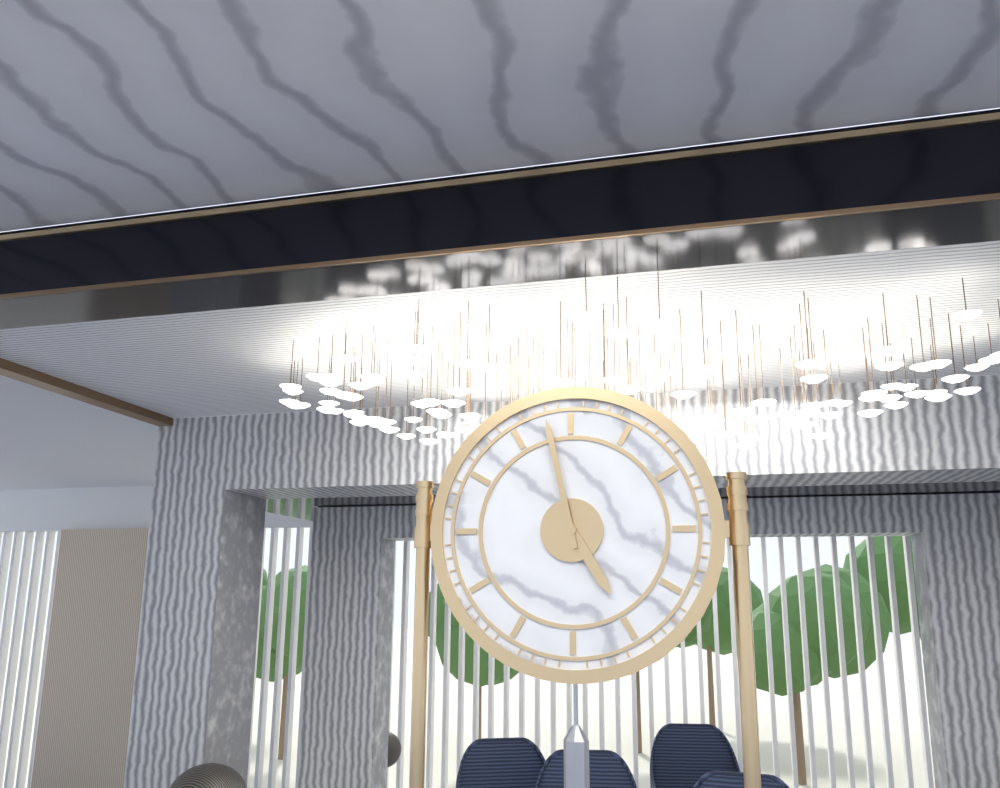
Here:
4,58
